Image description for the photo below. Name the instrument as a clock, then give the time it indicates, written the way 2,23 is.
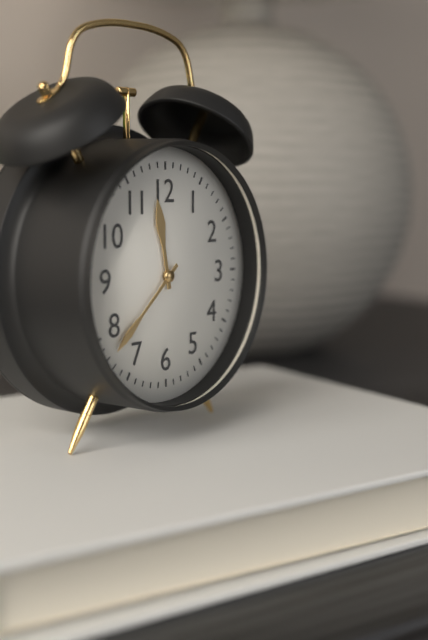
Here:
11,38
